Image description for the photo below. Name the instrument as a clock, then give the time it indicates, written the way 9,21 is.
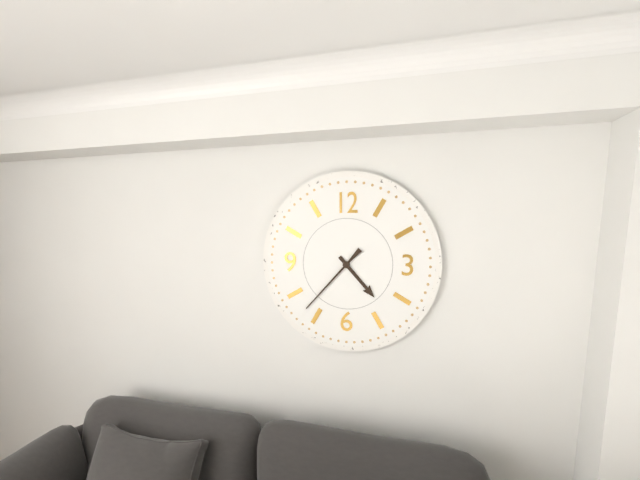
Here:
4,37
